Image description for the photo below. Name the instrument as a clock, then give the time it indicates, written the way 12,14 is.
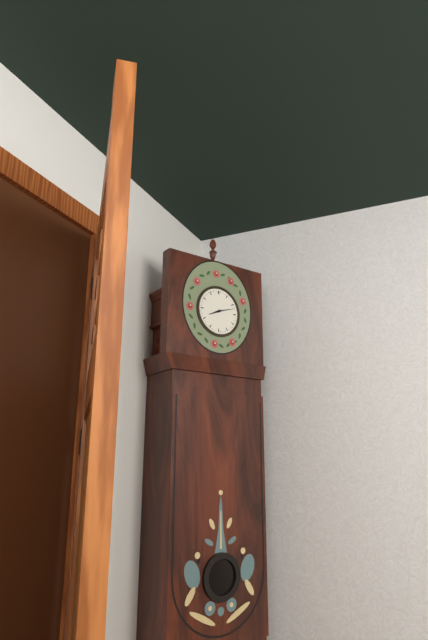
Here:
8,12
